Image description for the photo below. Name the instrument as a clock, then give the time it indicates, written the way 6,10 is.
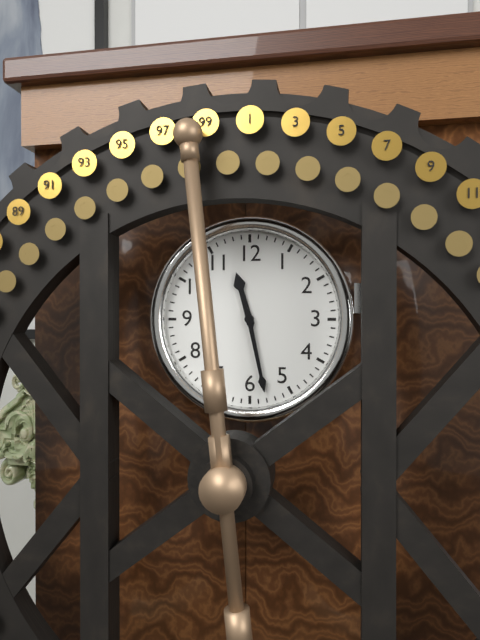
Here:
11,28
